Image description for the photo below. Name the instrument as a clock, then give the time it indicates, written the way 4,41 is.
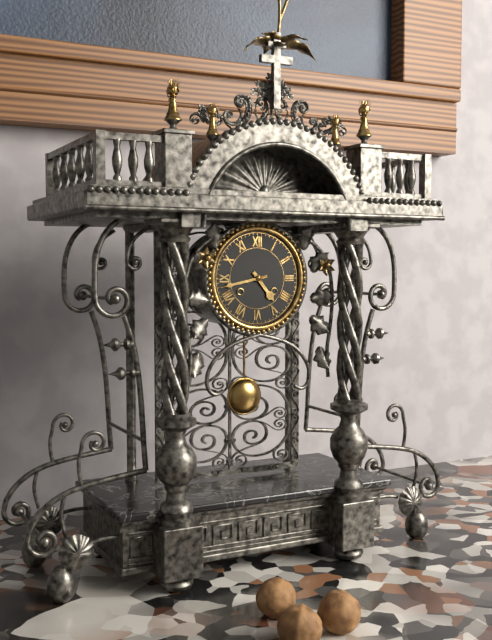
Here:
4,43
